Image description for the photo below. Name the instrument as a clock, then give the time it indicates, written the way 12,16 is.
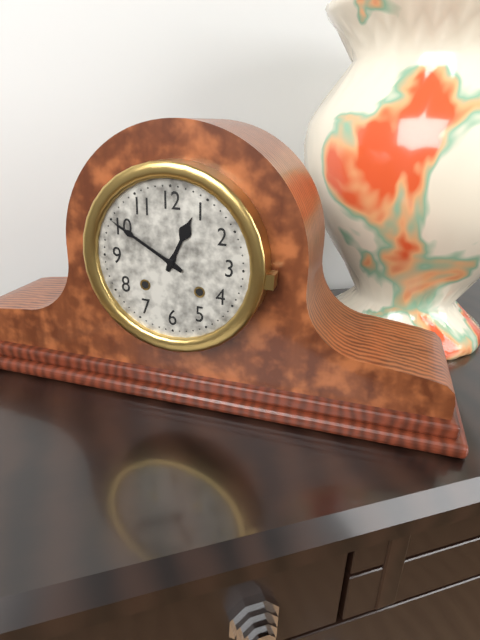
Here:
12,50
